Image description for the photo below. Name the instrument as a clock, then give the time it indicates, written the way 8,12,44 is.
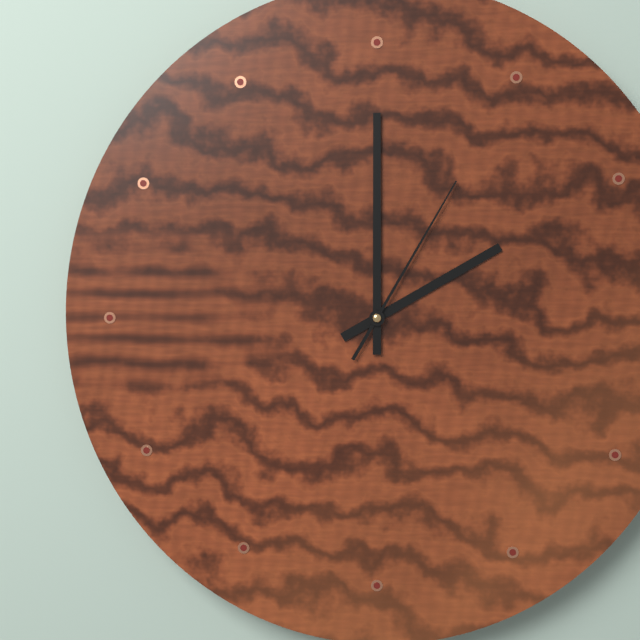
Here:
2,00,05
